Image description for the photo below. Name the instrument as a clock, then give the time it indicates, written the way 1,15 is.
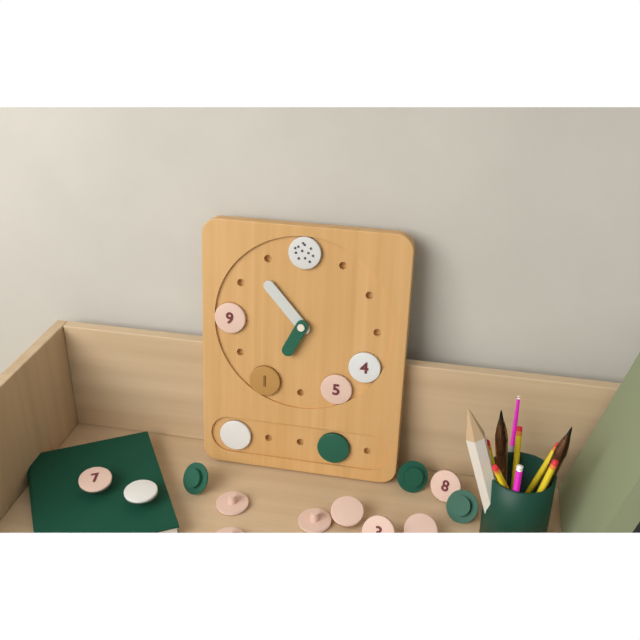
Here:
6,53
